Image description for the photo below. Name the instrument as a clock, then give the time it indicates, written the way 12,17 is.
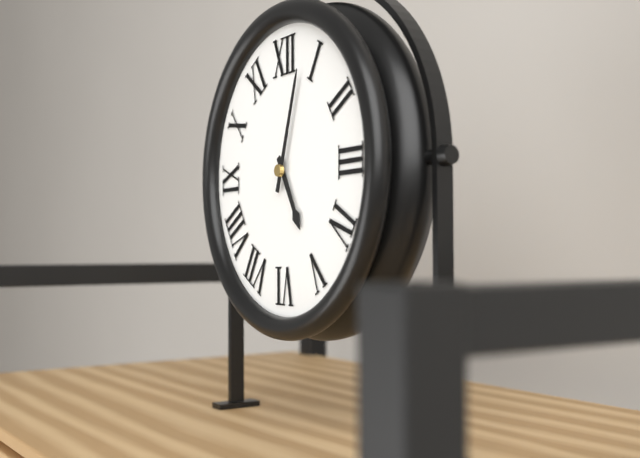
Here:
5,03
